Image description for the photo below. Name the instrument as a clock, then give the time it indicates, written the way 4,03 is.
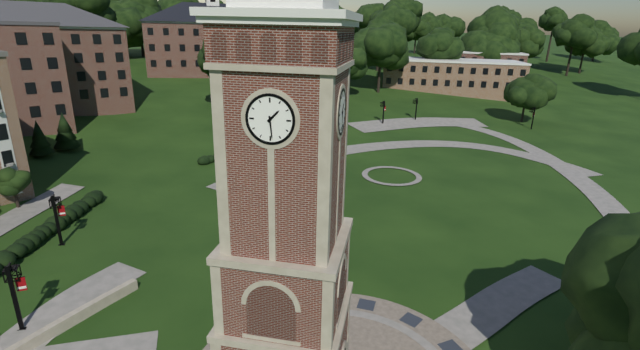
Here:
1,29
